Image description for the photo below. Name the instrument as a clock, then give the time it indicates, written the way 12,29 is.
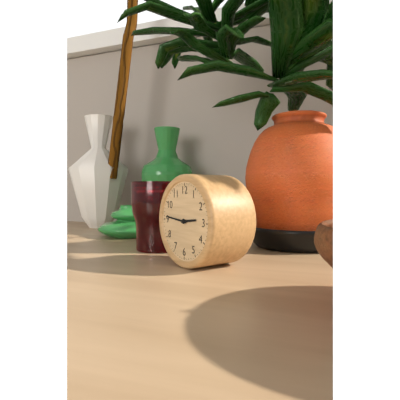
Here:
2,46
